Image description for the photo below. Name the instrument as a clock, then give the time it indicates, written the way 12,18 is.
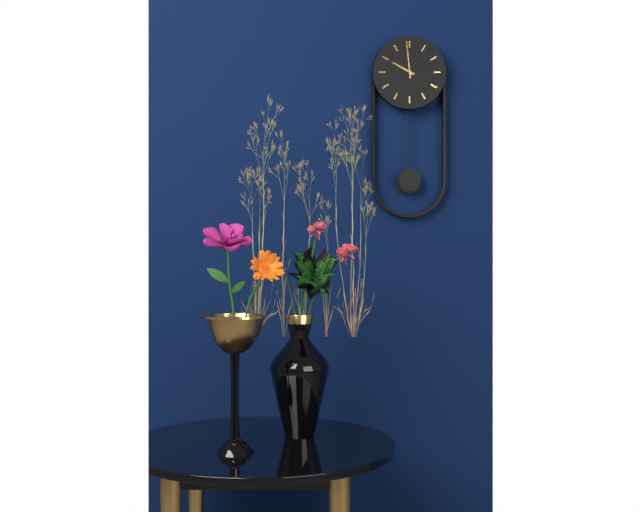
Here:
9,59
